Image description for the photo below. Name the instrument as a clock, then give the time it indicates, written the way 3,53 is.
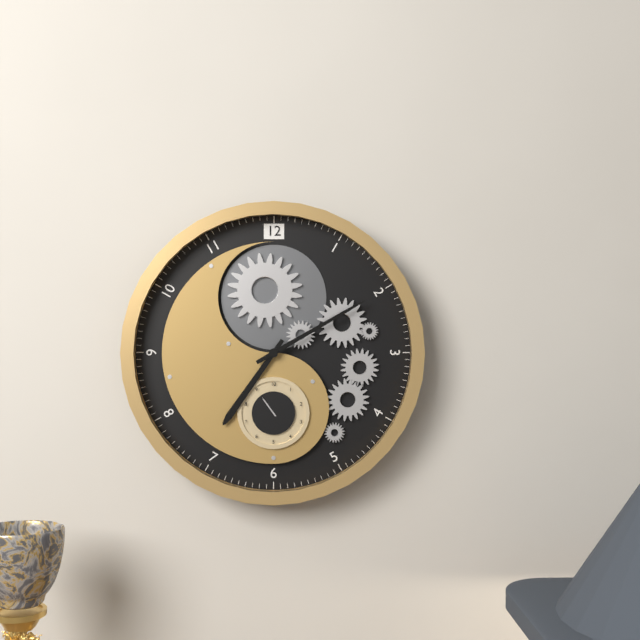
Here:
7,10
